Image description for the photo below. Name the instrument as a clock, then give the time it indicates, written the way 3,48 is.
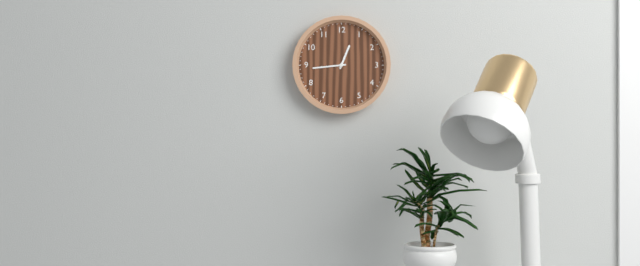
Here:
12,44
